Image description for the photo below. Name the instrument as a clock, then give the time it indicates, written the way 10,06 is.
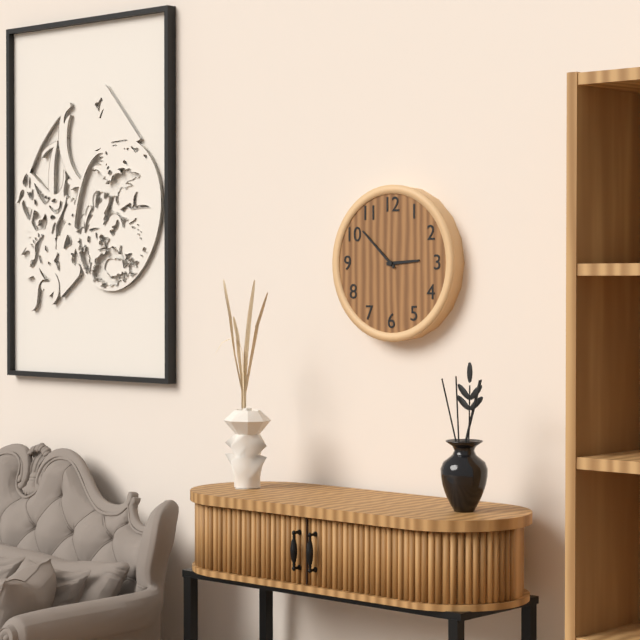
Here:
2,52
